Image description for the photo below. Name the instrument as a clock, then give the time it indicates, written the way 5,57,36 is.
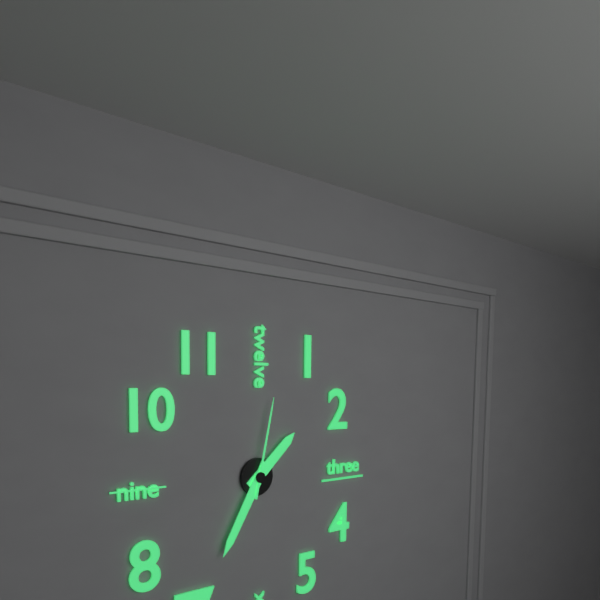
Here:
1,35,02
